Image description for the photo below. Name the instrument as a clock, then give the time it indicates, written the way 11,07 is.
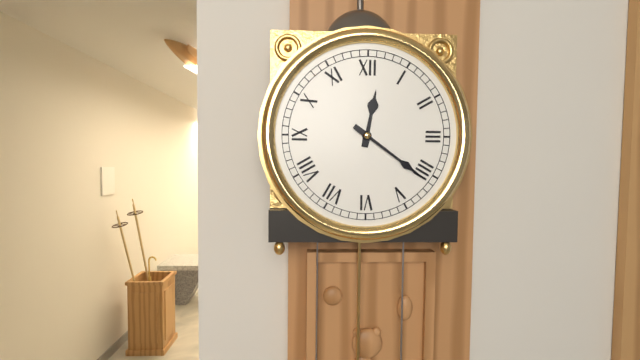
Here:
12,21
